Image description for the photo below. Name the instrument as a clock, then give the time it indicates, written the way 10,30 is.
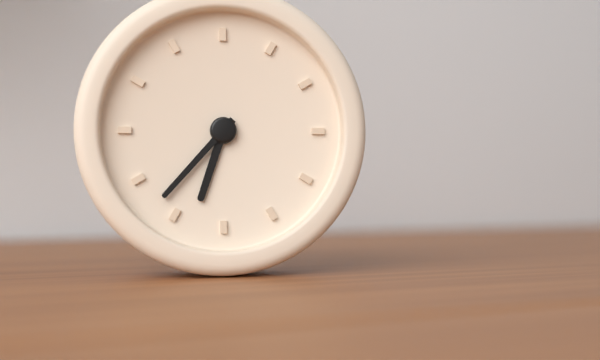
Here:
6,37
